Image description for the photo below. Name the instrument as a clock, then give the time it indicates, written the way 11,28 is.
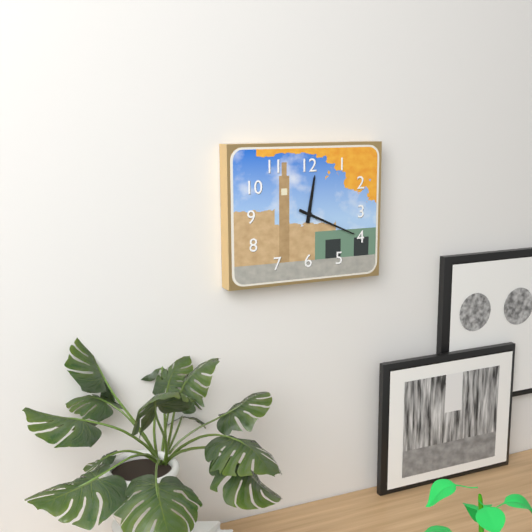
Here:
12,19
